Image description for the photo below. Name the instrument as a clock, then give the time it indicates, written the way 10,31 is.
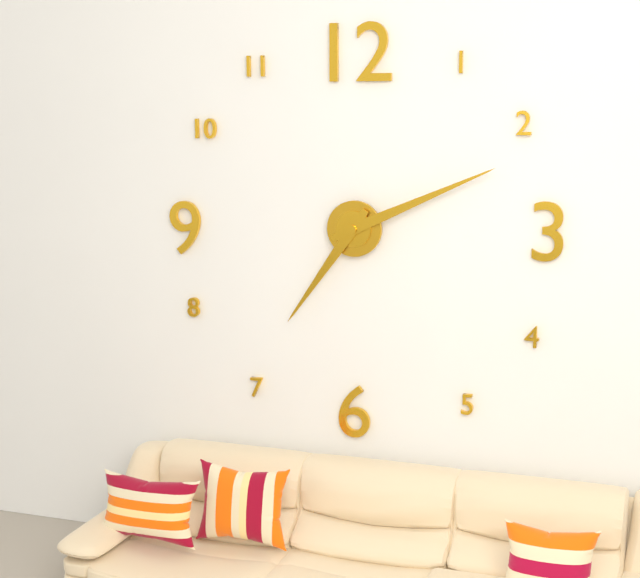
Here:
7,11
